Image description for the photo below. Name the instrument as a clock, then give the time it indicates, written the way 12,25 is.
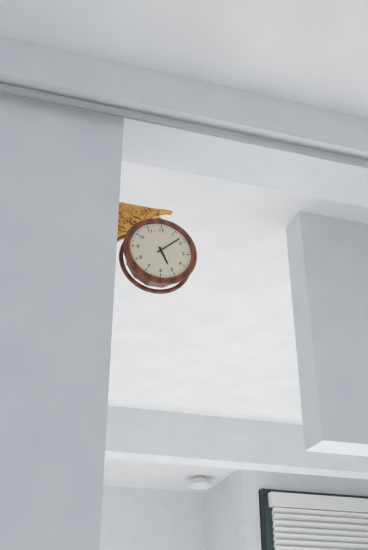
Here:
5,08
